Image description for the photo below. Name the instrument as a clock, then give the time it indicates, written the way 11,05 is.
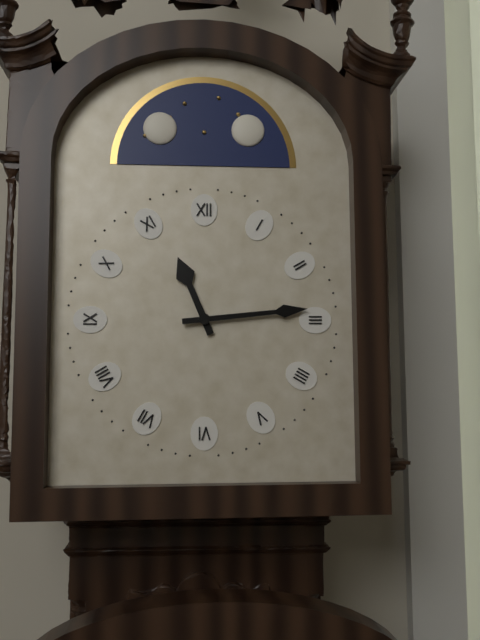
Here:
11,14
